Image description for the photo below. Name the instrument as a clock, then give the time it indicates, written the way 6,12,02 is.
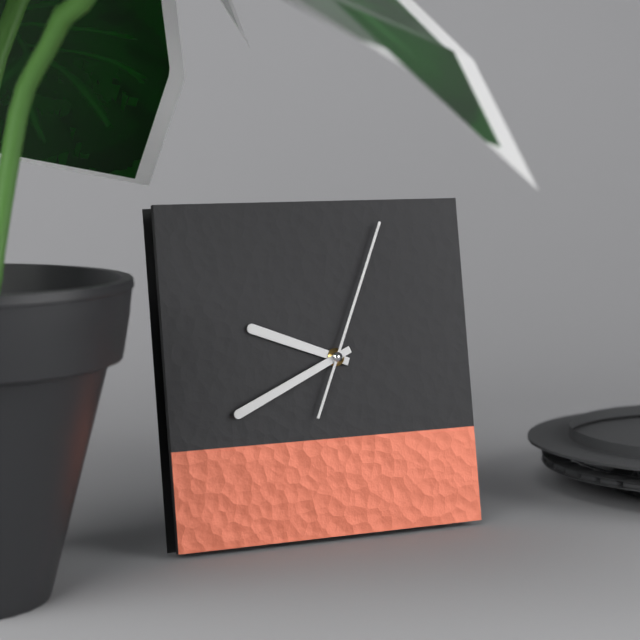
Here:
9,41,04
